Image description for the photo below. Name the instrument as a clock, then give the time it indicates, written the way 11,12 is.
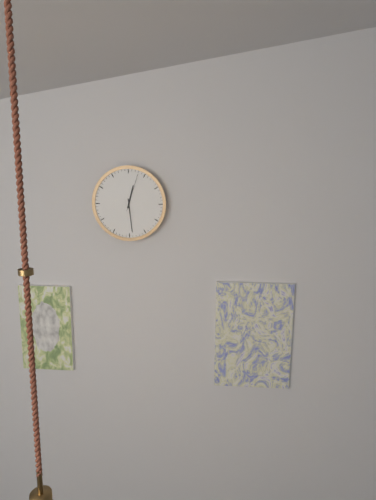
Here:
12,29
